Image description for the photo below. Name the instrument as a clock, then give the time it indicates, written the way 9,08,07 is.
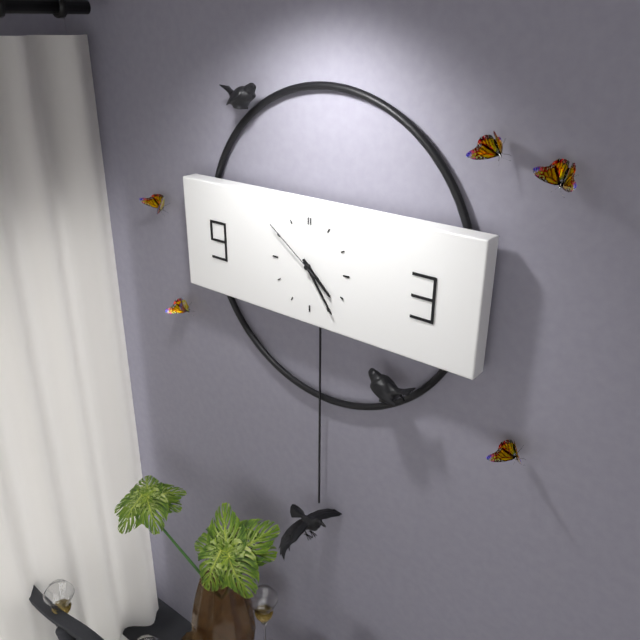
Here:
4,24,51
